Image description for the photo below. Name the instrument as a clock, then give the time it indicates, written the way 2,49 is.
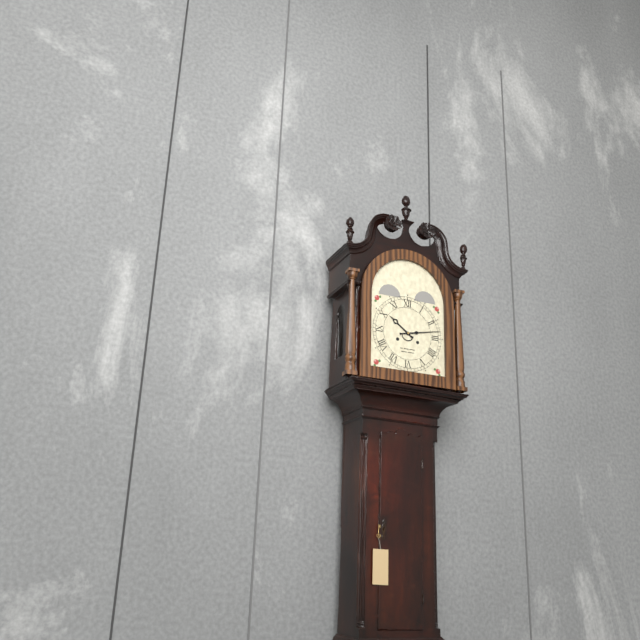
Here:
10,13
